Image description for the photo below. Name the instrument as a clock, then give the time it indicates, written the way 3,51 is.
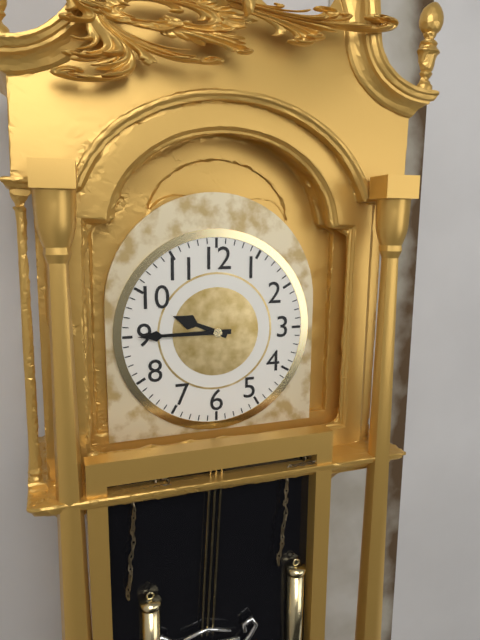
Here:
9,45
